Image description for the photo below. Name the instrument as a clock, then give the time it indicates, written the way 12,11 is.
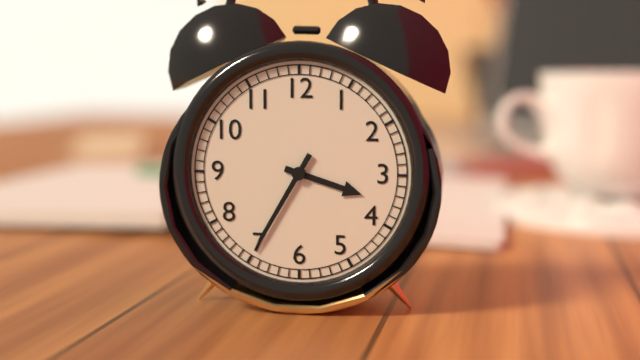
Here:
3,35
